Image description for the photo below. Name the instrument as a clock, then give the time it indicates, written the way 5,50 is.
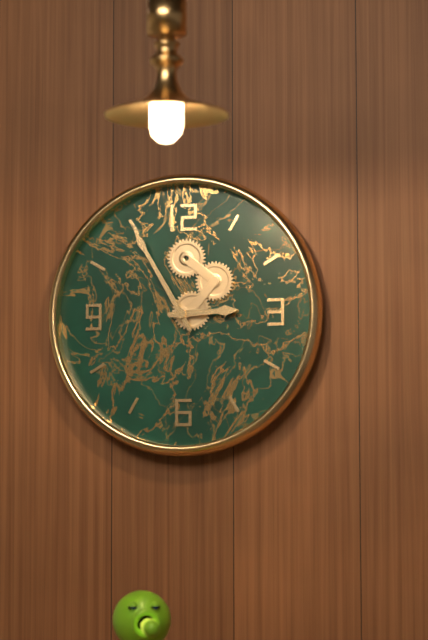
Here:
2,55
